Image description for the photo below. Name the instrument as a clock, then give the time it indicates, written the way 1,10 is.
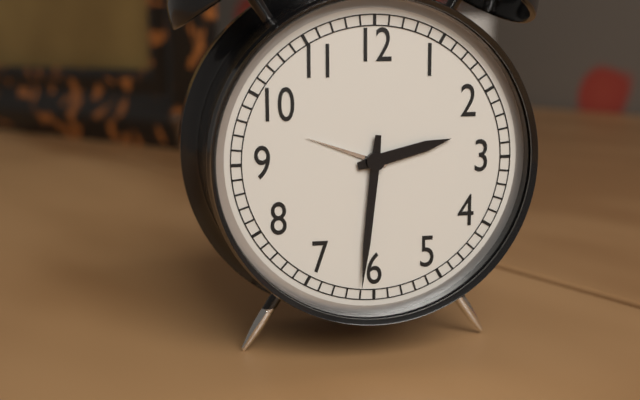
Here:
2,31
